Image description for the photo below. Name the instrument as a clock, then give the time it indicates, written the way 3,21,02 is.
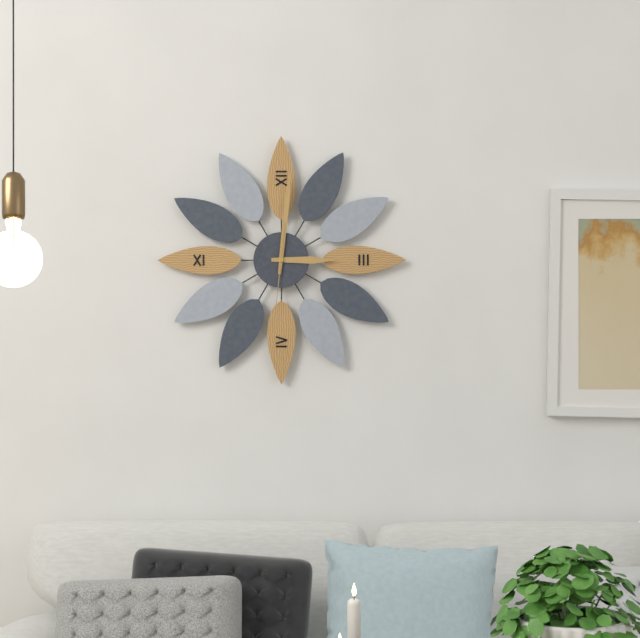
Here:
3,01,31
